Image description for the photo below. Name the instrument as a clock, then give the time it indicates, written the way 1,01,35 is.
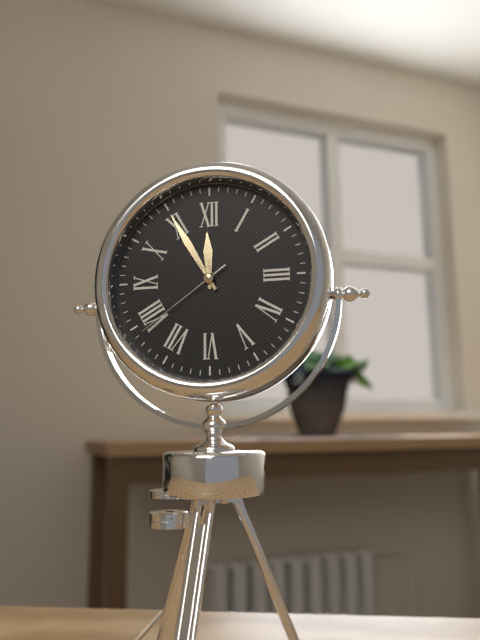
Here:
11,55,39
